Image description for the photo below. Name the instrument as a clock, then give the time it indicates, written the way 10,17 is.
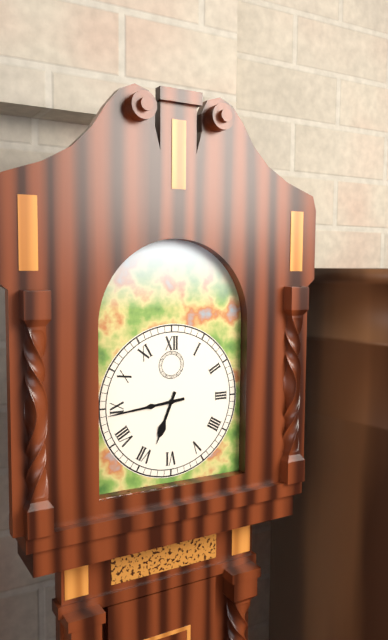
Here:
6,44
